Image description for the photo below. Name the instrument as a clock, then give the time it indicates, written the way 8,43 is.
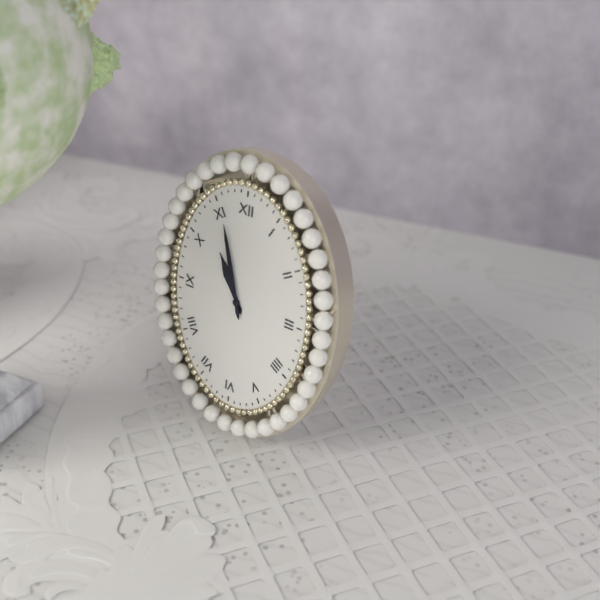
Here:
10,57
